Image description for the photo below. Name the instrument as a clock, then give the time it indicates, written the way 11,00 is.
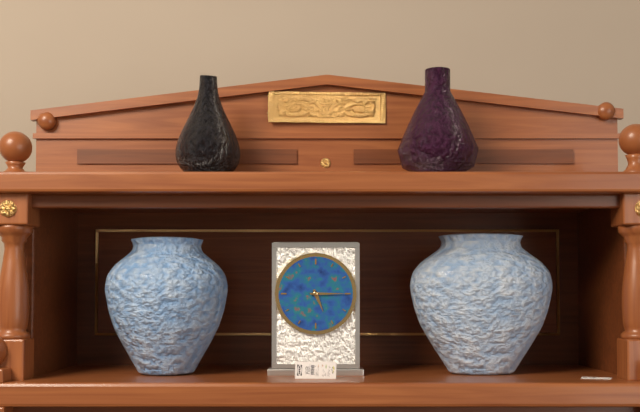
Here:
5,15
